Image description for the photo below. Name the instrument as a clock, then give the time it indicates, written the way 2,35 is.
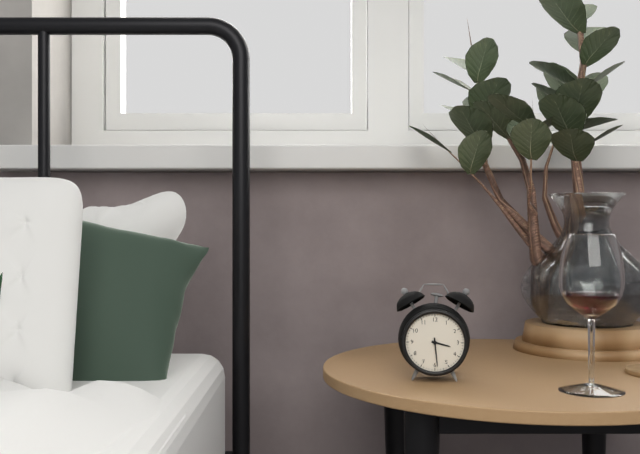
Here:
3,29
